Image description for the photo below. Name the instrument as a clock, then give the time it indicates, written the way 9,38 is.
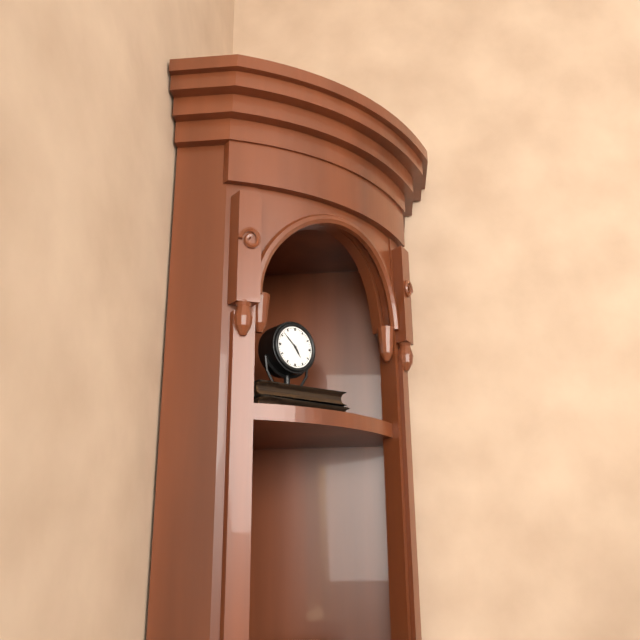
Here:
4,52
